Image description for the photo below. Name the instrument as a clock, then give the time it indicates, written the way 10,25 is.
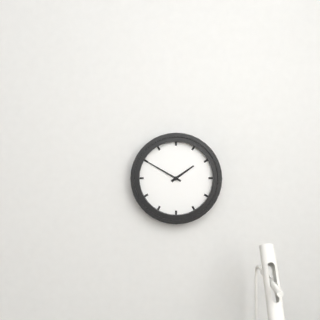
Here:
1,50
